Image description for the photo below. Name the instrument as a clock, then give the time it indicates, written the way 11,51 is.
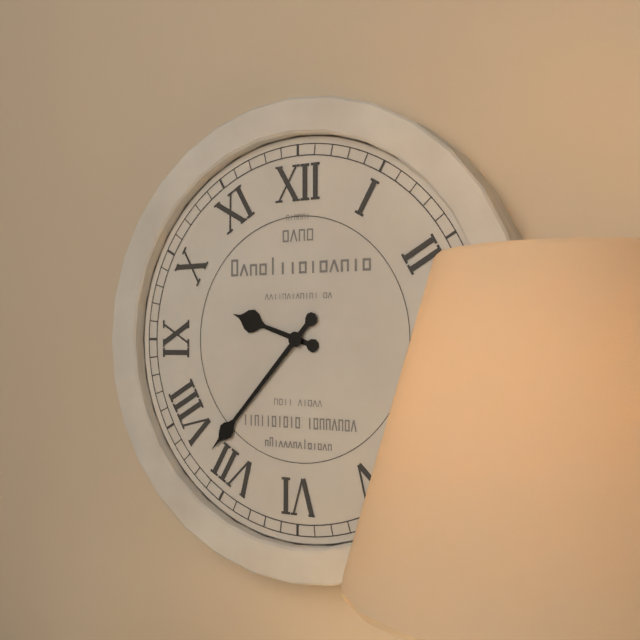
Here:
9,37
